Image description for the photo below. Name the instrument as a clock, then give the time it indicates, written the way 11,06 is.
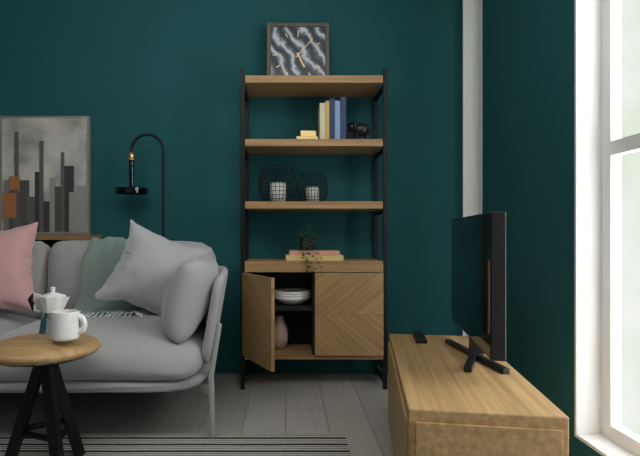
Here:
5,07
